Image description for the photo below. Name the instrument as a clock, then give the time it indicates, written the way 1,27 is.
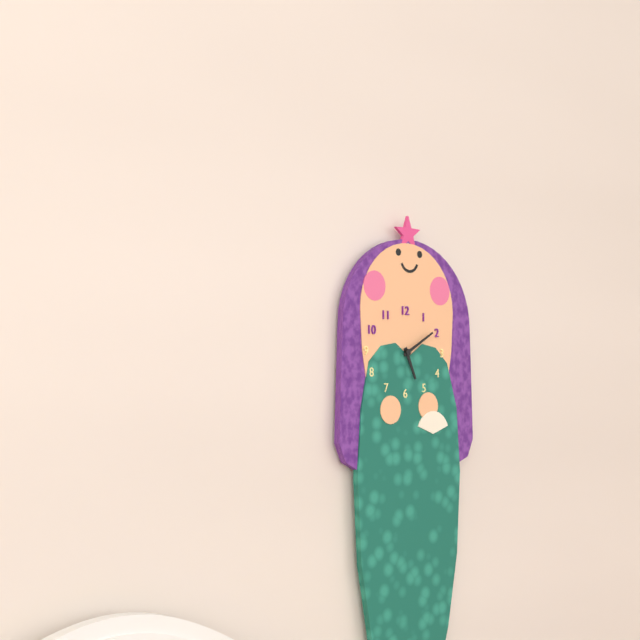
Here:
5,10
